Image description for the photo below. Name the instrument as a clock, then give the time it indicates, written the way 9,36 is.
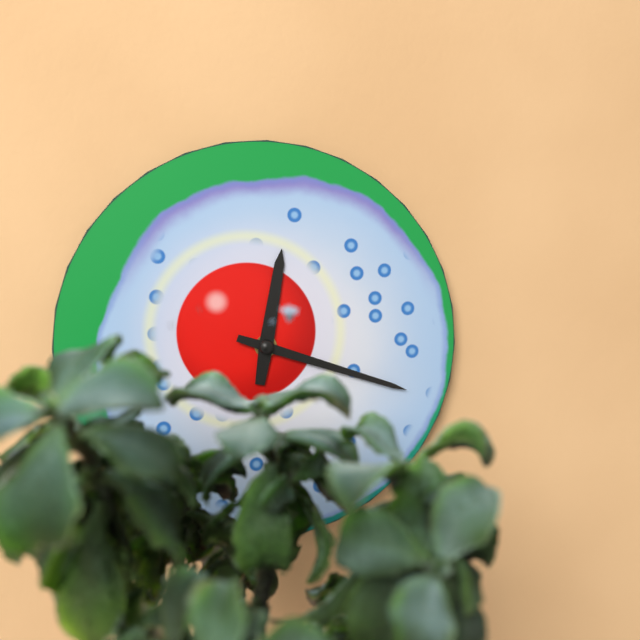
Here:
12,18
